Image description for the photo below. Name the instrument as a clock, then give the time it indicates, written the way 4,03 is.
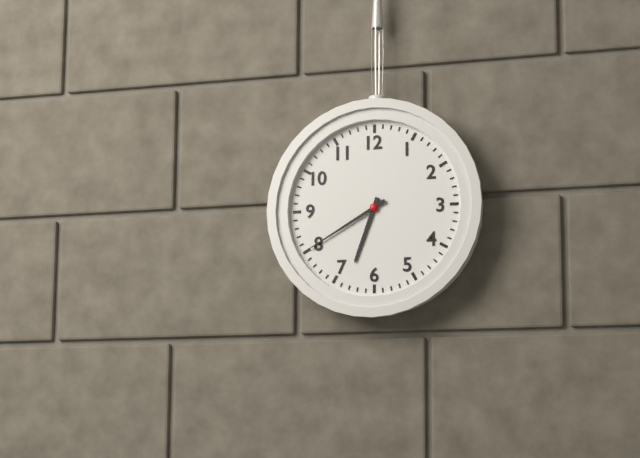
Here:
6,40
